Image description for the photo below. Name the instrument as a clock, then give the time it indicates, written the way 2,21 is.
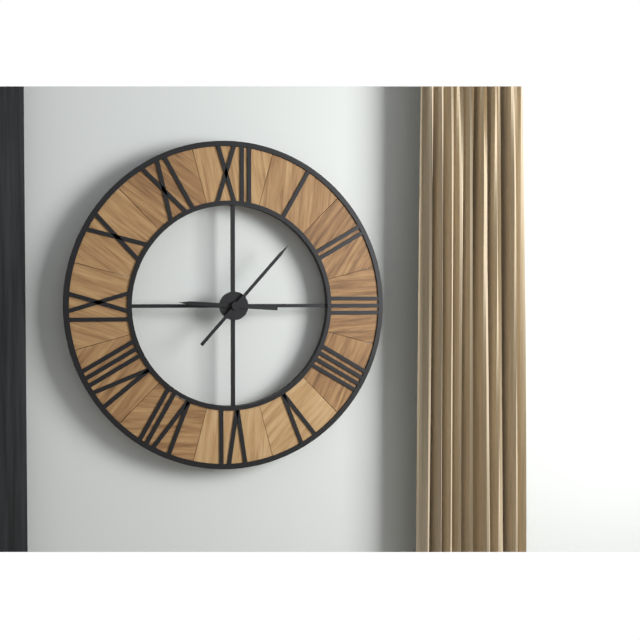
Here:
9,07
